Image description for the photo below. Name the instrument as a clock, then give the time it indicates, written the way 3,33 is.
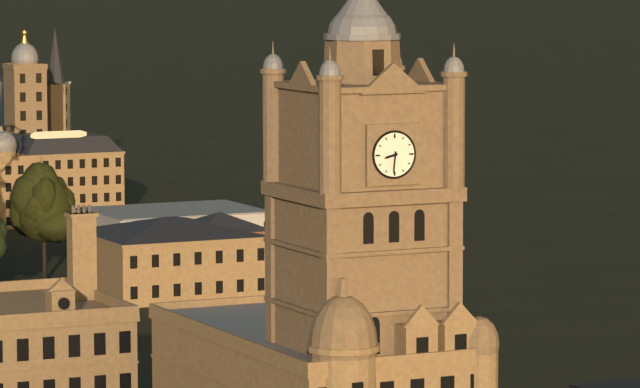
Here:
8,31
